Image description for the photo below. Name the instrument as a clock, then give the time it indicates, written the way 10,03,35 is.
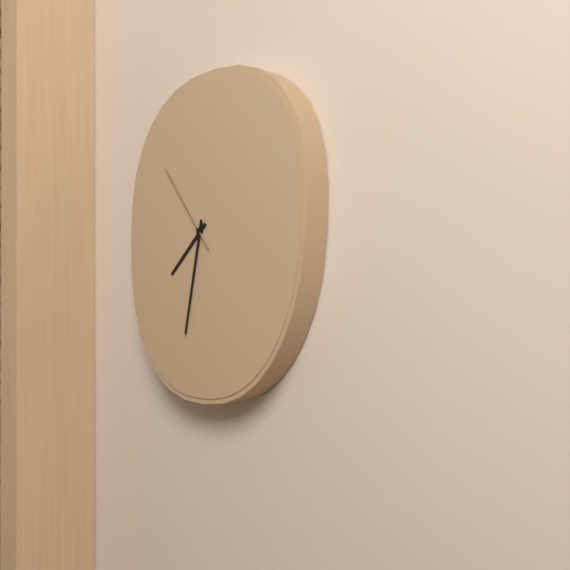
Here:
7,32,54
